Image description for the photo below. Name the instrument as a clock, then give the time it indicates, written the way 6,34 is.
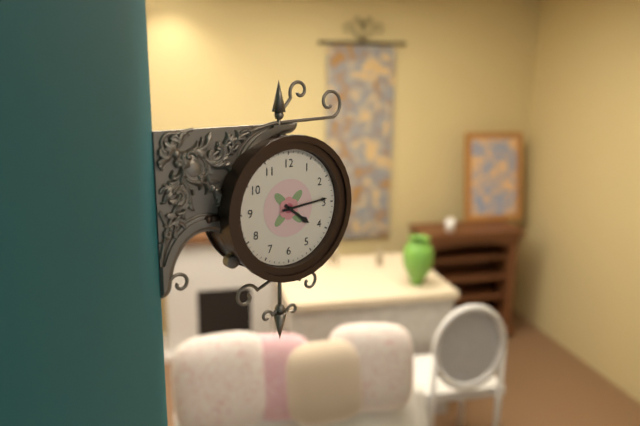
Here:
4,14
